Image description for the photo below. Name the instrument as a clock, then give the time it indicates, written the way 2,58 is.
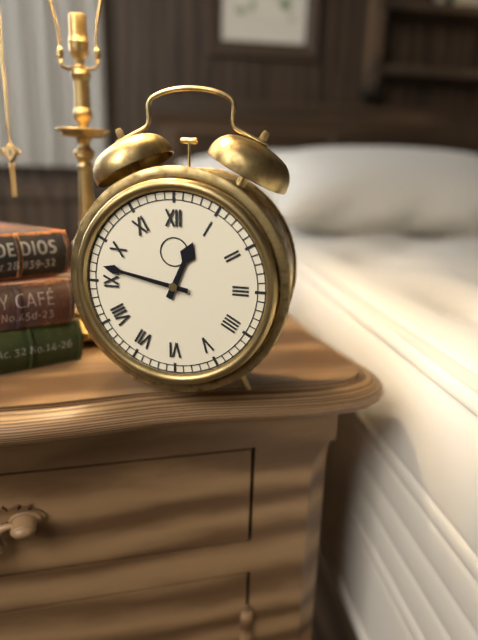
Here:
12,47
